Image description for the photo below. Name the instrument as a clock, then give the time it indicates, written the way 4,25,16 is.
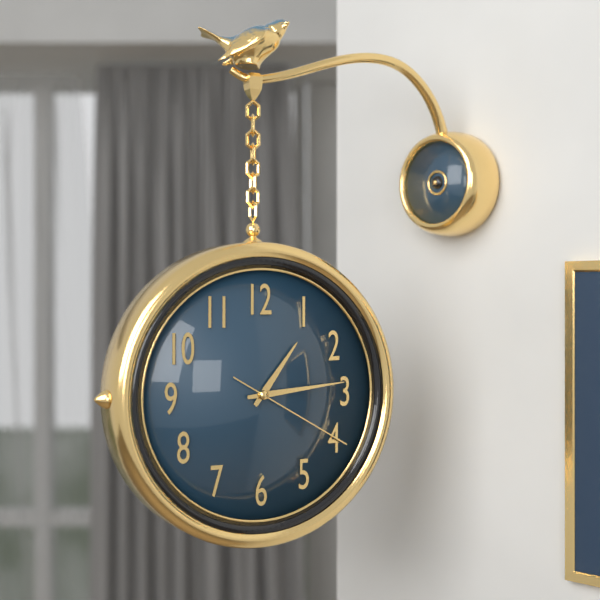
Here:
1,14,20
